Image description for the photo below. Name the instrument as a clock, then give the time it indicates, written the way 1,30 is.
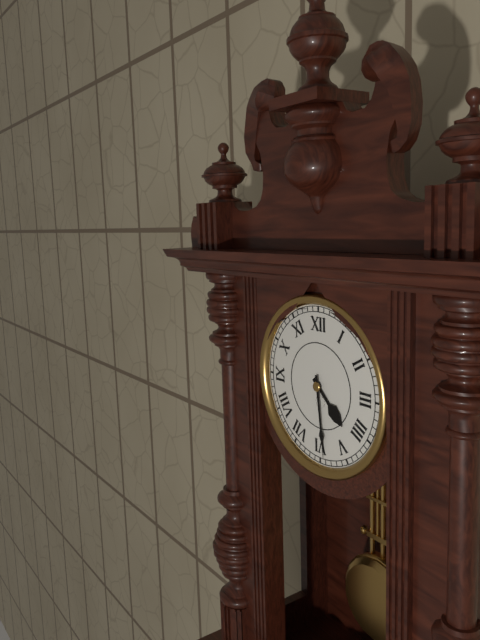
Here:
4,29
